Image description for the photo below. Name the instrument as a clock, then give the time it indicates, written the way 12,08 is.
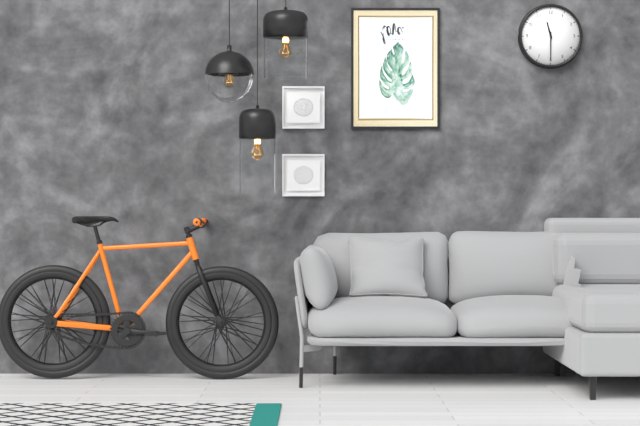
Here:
11,30
